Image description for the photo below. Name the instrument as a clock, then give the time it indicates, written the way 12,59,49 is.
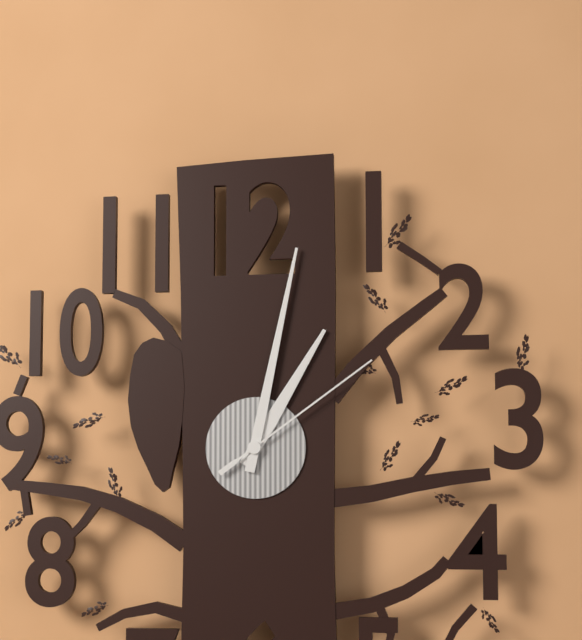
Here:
1,02,09
